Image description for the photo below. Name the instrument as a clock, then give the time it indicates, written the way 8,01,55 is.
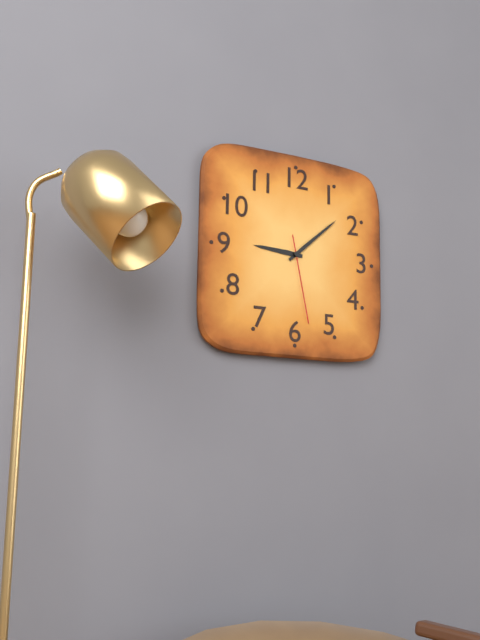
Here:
9,08,28
